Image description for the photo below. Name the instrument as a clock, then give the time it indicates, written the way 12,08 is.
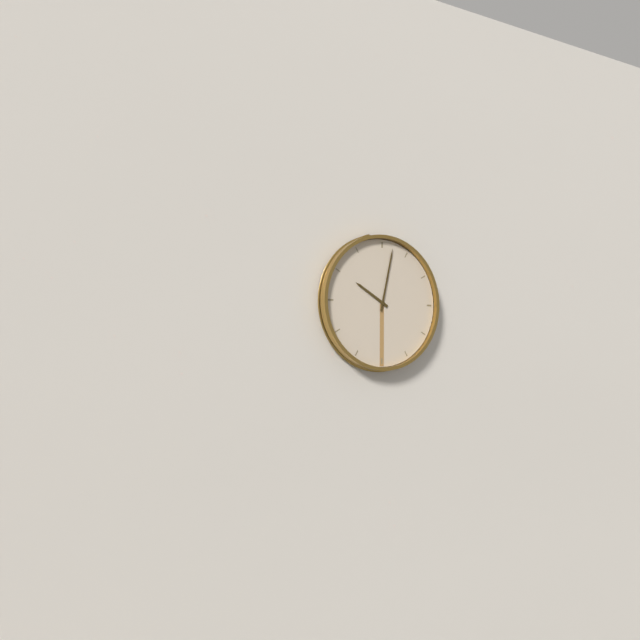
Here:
10,02
